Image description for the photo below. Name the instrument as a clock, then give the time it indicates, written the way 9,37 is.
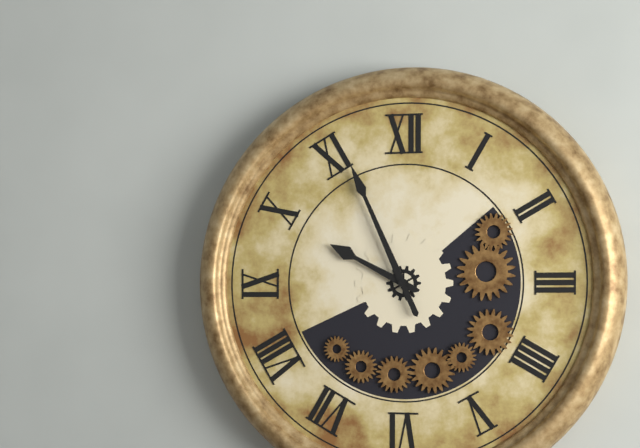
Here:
9,56
